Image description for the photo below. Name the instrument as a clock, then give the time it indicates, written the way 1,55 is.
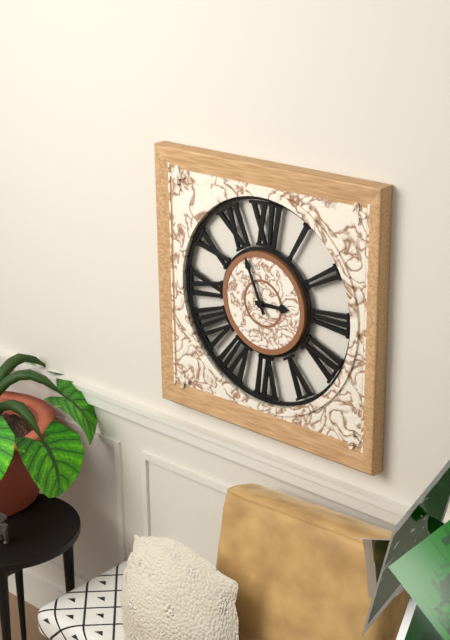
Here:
2,56
